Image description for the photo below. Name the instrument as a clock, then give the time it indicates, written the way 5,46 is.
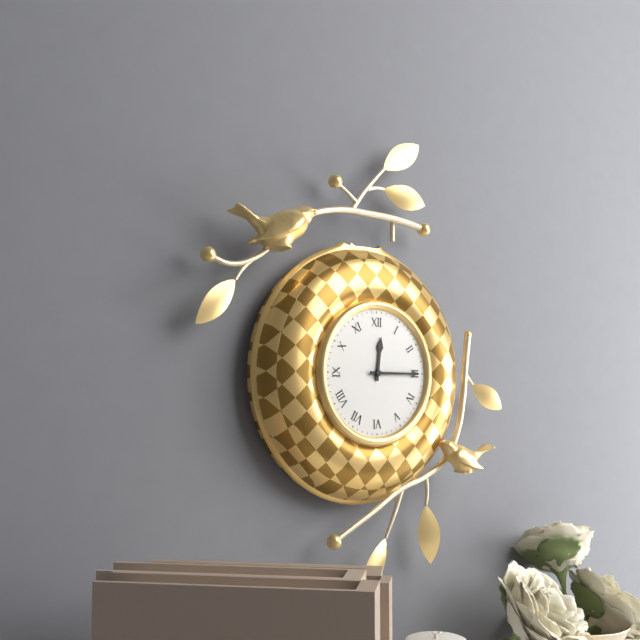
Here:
12,15
